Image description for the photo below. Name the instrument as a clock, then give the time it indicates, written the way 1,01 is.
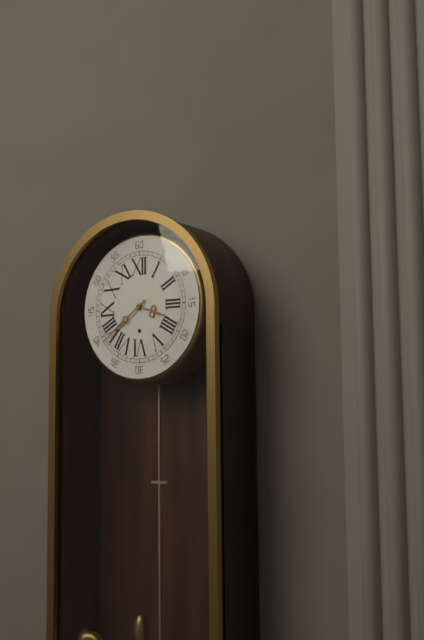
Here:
3,39
